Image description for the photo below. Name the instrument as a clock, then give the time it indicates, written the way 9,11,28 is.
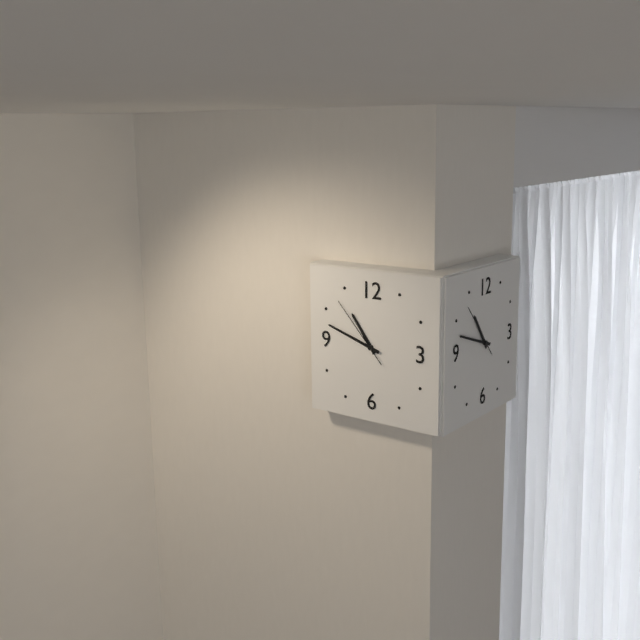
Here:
10,48,53
